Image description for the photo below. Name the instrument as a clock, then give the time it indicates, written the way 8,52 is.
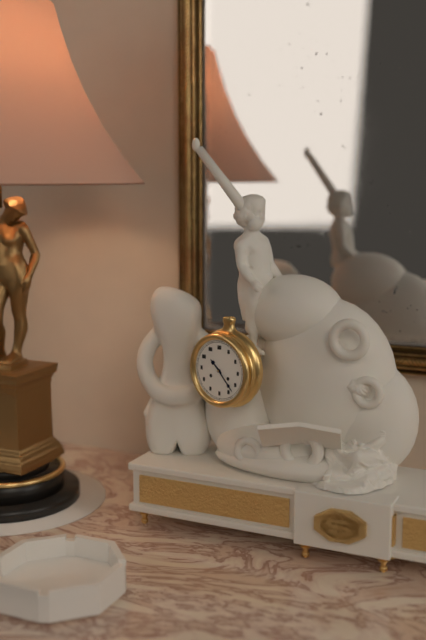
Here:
10,23
